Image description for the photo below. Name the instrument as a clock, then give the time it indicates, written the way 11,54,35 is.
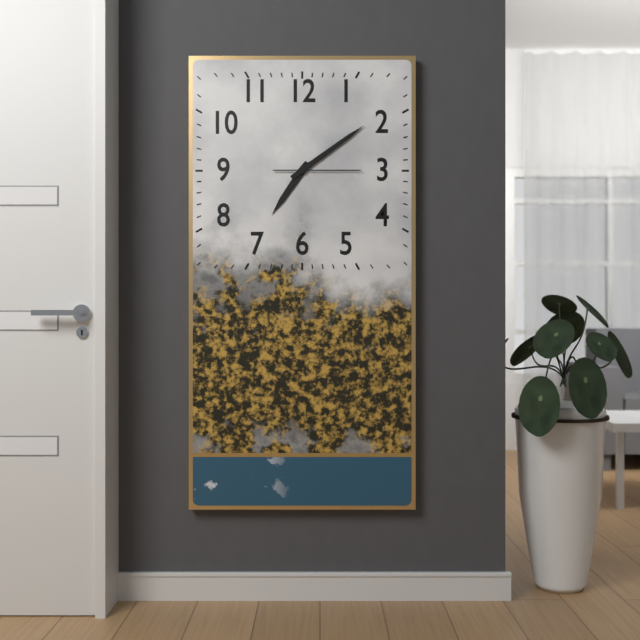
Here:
7,09,15
